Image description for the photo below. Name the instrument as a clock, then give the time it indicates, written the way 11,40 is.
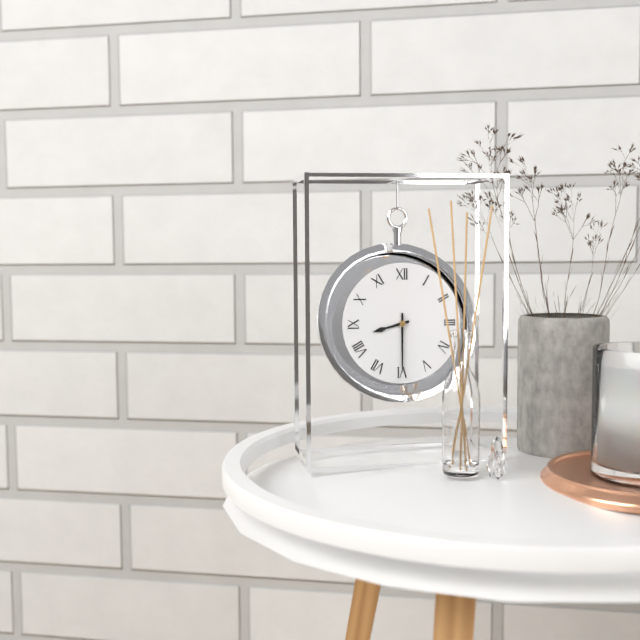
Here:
8,30
